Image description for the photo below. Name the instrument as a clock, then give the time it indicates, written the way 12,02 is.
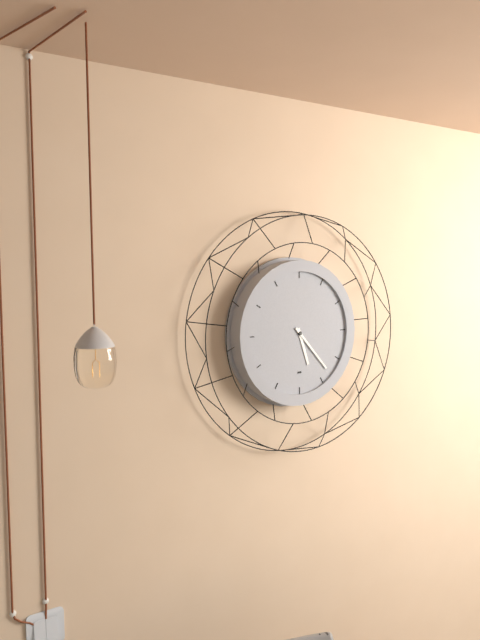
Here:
5,23
